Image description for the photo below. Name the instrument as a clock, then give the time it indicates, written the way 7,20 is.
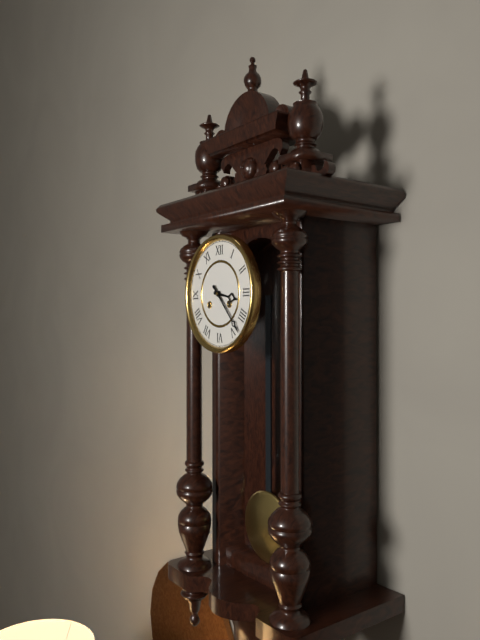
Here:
3,23
